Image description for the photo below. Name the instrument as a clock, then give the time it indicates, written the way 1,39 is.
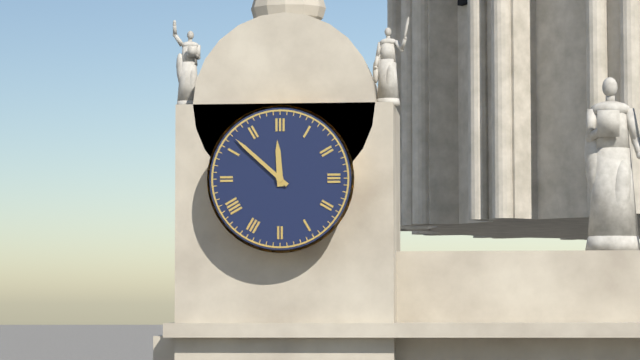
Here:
11,52
